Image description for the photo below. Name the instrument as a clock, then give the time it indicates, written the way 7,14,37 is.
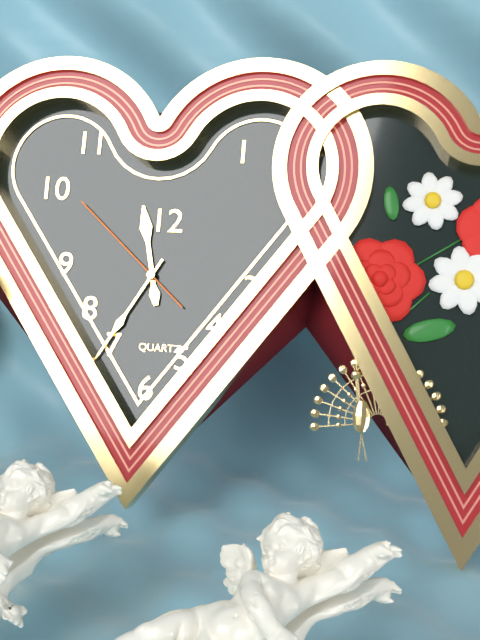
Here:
11,35,52
